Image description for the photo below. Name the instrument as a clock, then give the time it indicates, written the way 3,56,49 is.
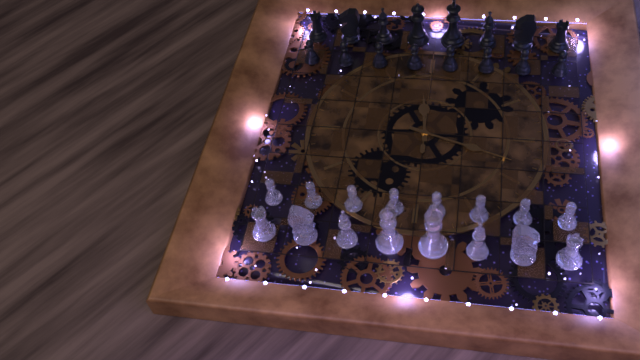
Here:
5,48,30
